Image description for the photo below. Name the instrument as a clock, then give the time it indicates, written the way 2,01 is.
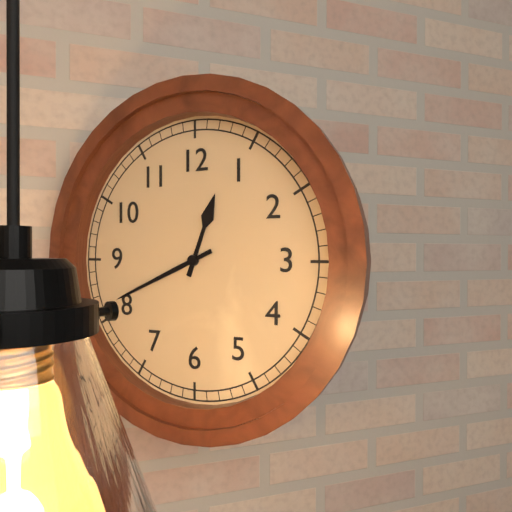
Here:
12,41
